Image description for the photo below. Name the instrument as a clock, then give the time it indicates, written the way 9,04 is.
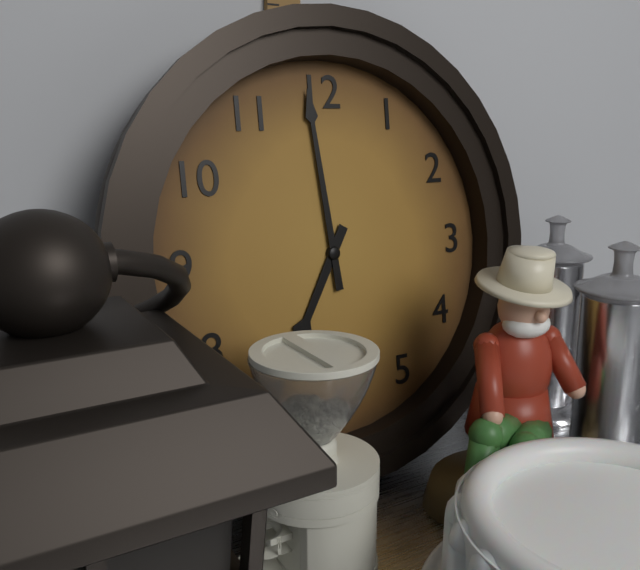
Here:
6,59
